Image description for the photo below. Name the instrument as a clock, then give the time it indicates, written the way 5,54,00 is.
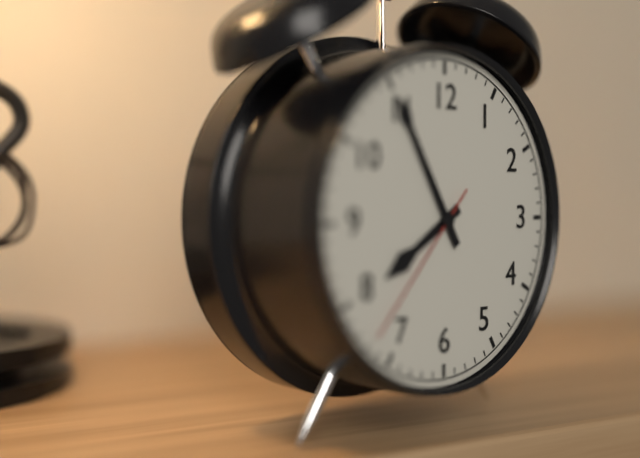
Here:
7,55,37
